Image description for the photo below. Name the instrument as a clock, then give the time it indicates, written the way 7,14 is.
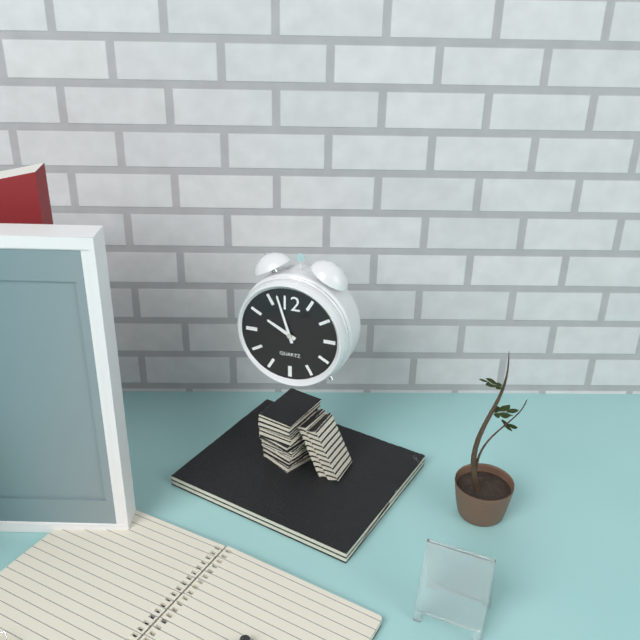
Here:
9,57
